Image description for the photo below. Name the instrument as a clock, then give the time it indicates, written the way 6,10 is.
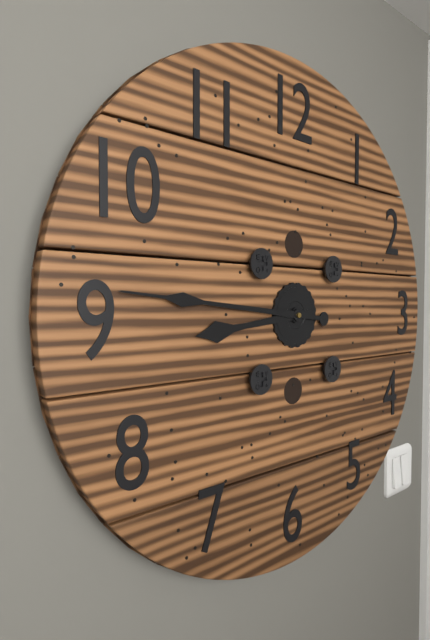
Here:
8,46
